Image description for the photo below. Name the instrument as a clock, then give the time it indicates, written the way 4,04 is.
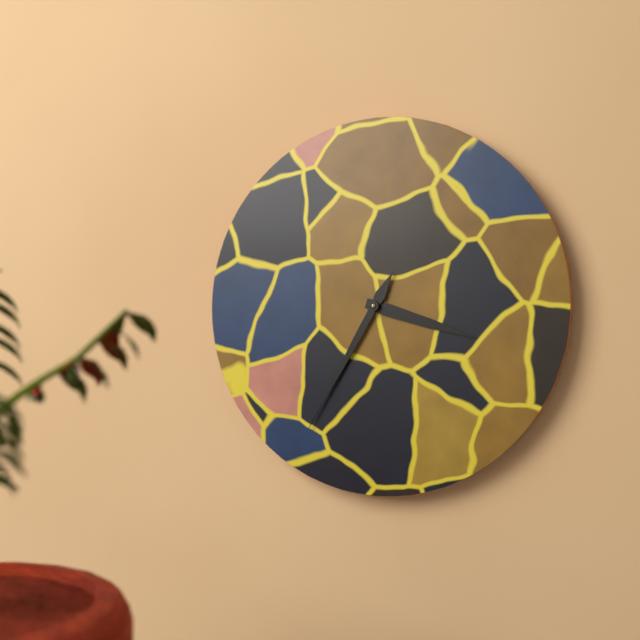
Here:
3,35
